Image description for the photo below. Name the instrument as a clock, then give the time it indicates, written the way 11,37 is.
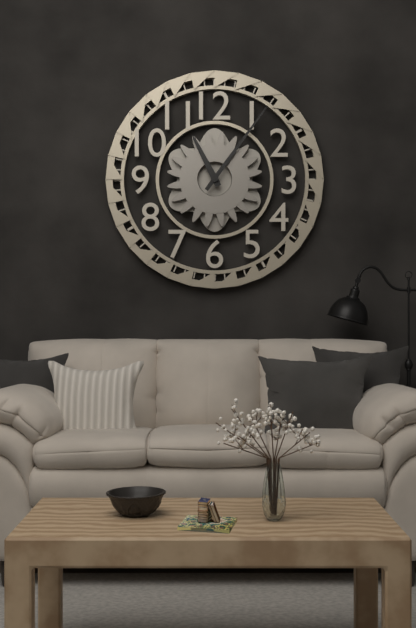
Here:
11,06
